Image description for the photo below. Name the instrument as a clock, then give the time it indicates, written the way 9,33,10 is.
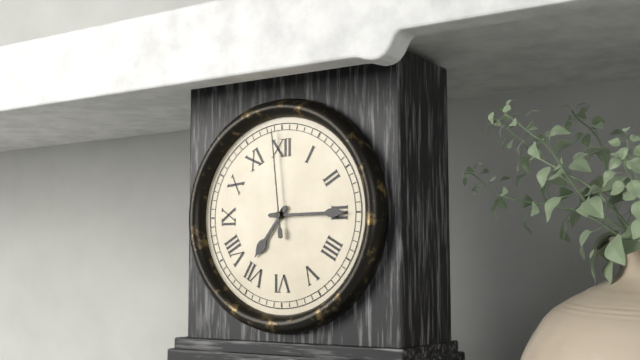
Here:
7,15,59
